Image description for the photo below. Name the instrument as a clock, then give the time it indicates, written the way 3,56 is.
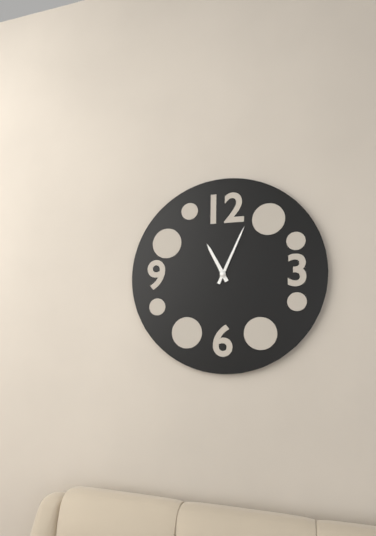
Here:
11,04
